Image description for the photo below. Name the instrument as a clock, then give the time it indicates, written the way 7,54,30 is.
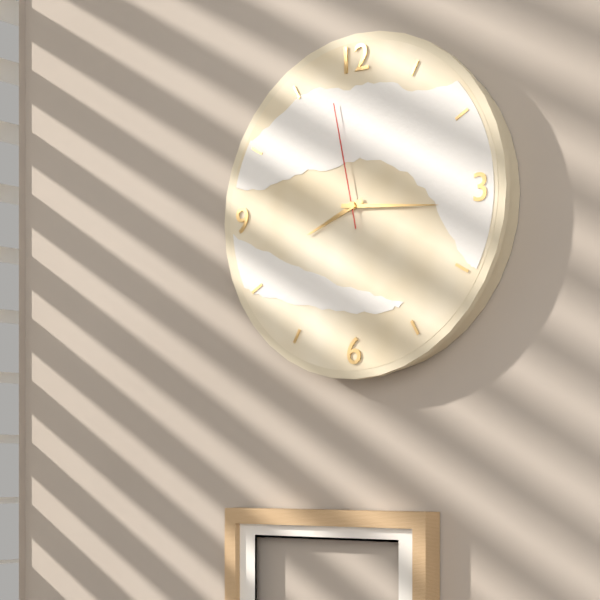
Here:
8,16,58
